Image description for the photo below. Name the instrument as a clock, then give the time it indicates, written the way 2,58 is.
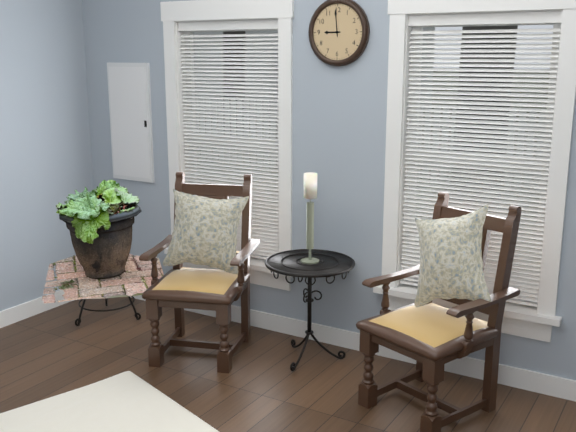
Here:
8,59
